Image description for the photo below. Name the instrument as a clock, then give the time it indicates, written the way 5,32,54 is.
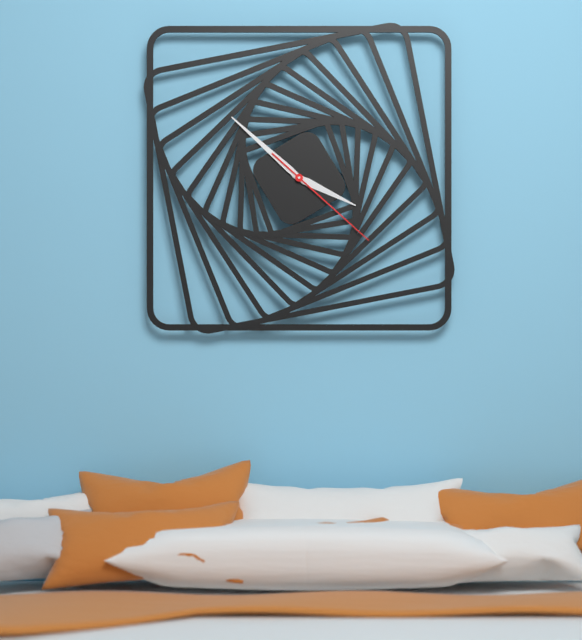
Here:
3,52,22
